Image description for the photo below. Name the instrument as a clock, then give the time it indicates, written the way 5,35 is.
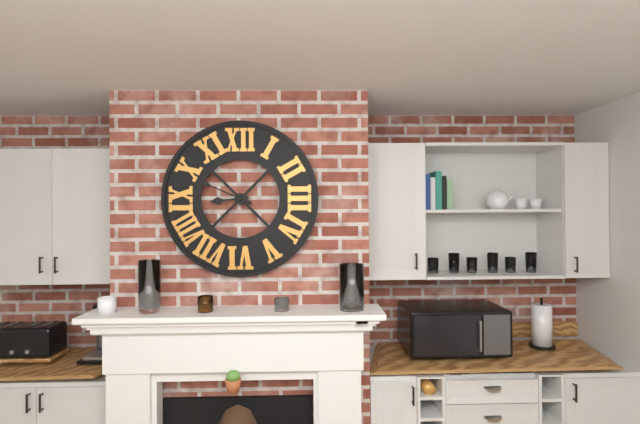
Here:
8,49
